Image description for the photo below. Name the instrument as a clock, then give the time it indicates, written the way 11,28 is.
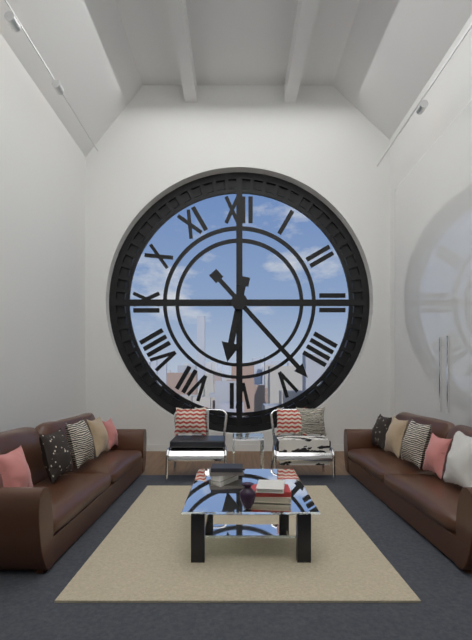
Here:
6,23
